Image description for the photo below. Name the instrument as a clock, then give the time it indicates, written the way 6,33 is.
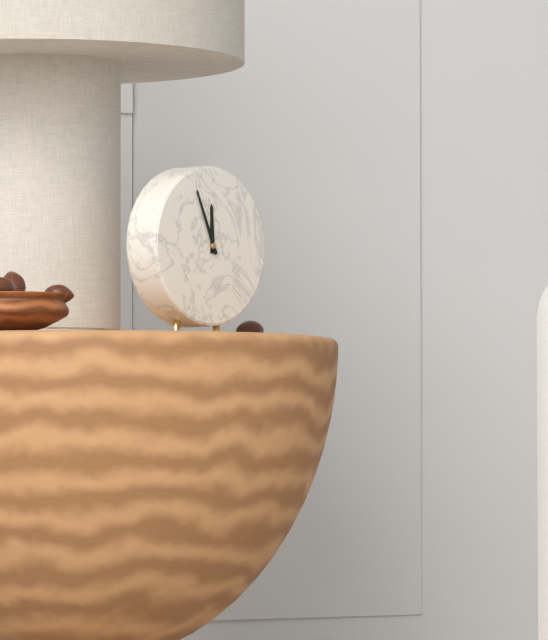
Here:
11,56
